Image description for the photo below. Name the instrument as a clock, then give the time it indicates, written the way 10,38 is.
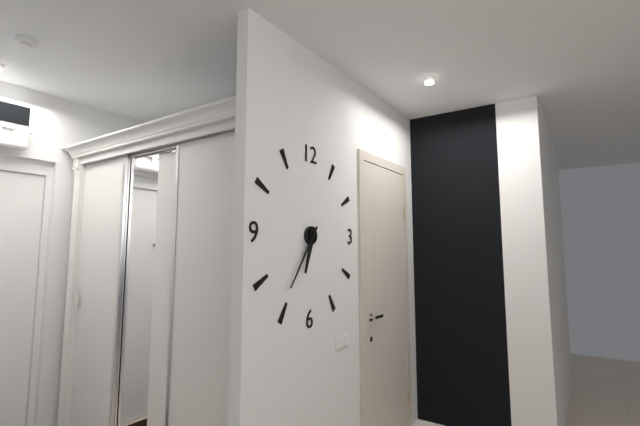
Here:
6,36
